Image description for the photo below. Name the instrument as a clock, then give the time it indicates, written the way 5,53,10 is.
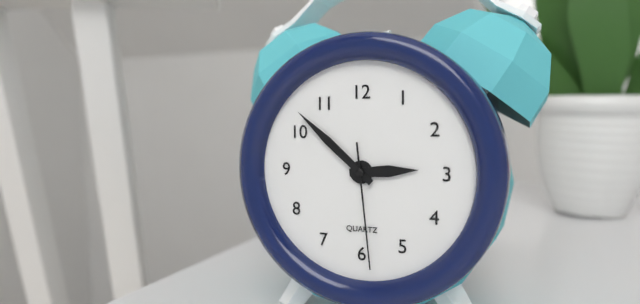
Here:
2,52,29
